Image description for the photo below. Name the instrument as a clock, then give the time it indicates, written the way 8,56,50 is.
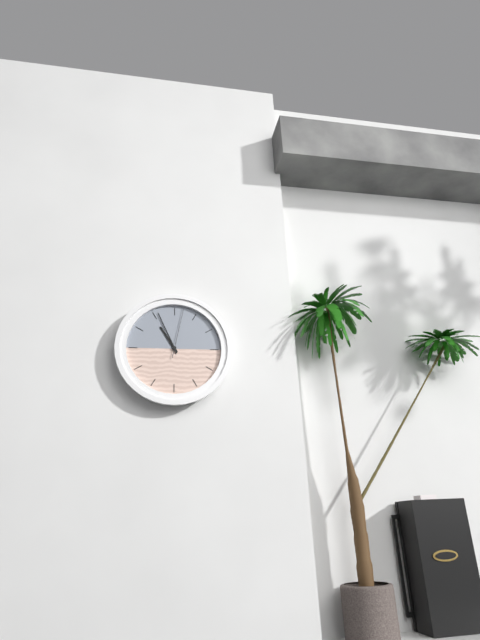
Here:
10,56,02
